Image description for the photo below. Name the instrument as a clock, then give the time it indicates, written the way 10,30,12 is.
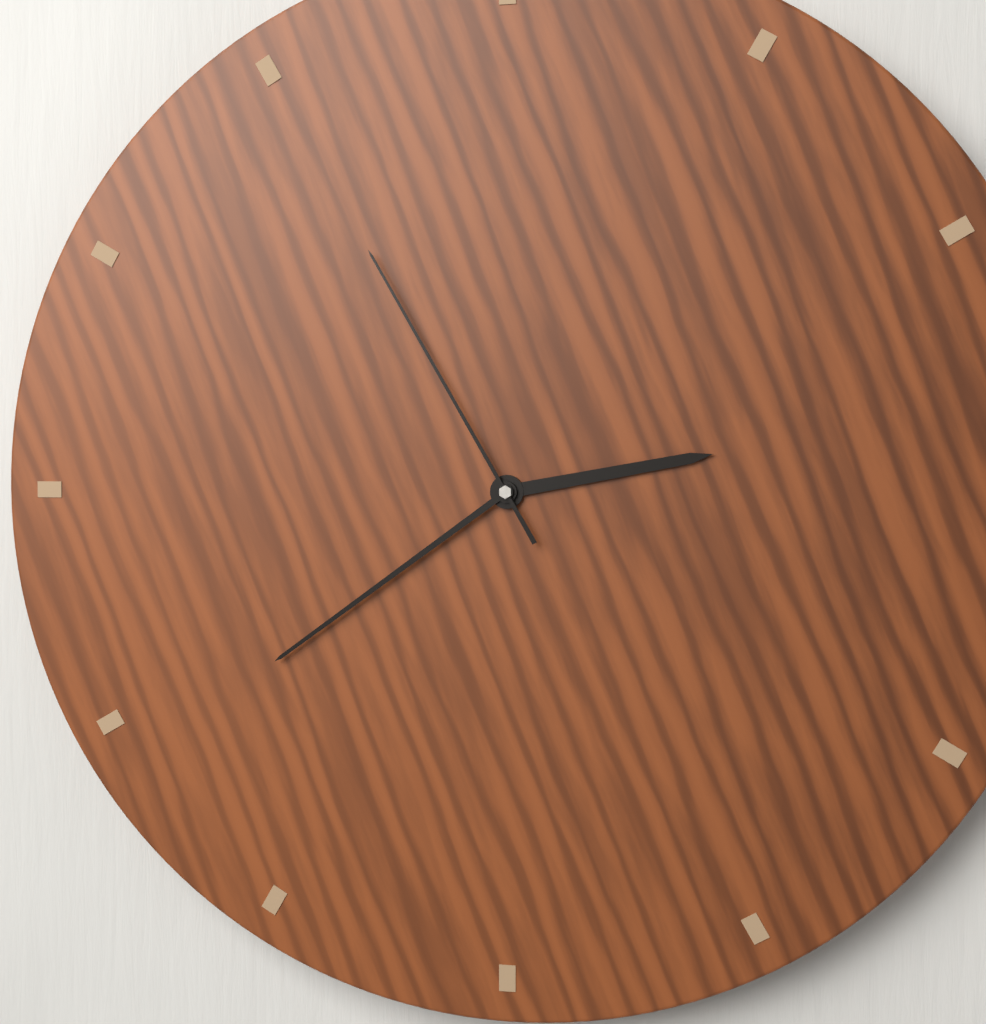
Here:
2,39,55
